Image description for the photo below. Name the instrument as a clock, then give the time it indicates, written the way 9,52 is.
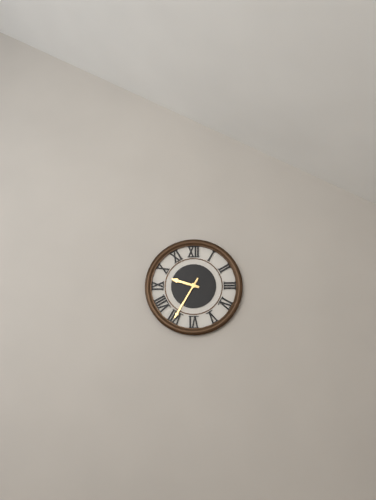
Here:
9,35
